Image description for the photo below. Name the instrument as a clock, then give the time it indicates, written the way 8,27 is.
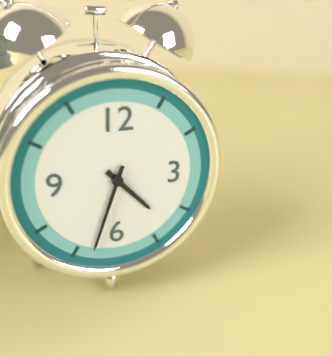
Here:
4,33
